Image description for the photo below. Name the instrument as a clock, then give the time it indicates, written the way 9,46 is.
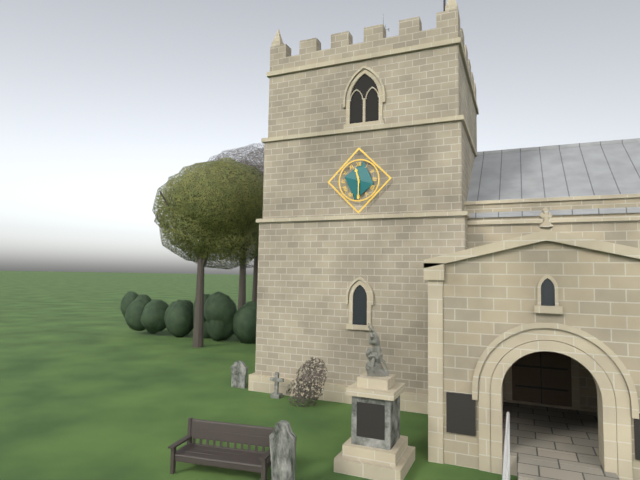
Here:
11,30
